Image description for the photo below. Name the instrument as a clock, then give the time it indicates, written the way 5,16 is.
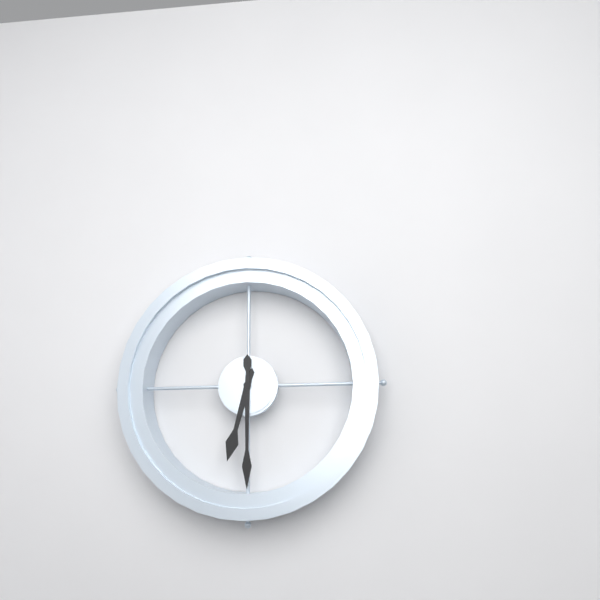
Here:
6,30
